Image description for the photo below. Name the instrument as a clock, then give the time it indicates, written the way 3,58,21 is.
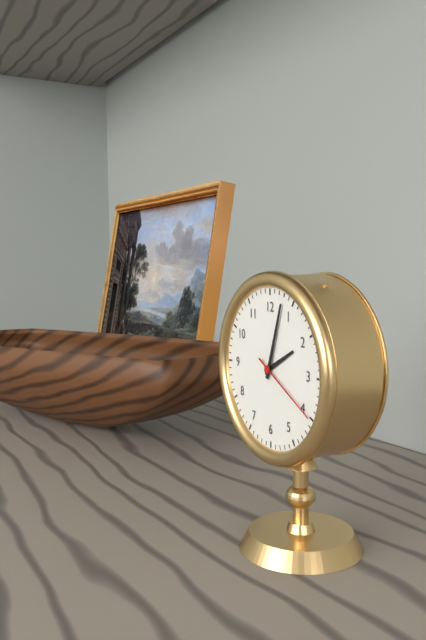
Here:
2,03,20
